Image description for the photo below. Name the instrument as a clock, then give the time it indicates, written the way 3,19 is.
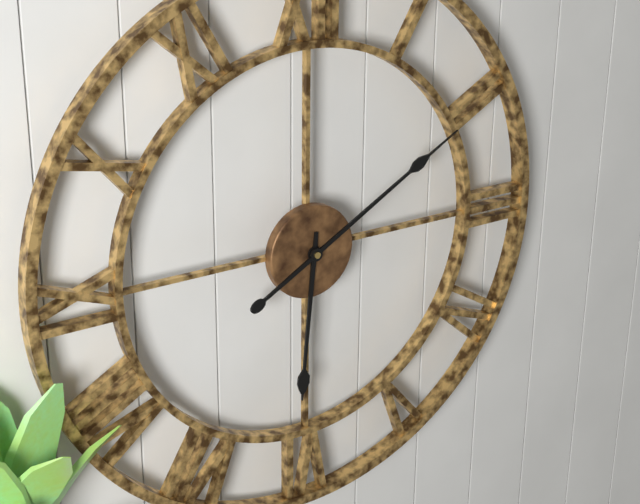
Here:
6,10
